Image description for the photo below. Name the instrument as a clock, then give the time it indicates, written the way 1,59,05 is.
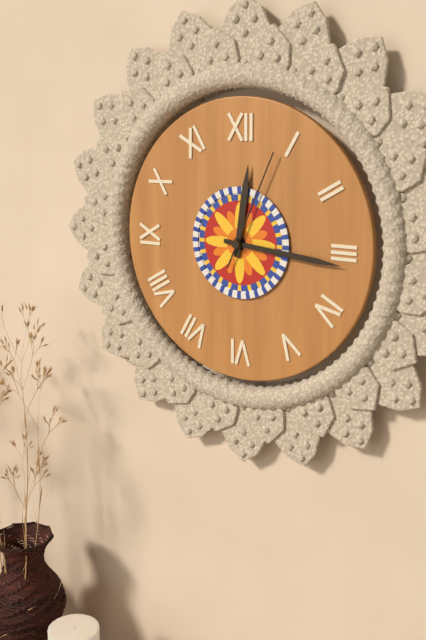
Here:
12,16,04
